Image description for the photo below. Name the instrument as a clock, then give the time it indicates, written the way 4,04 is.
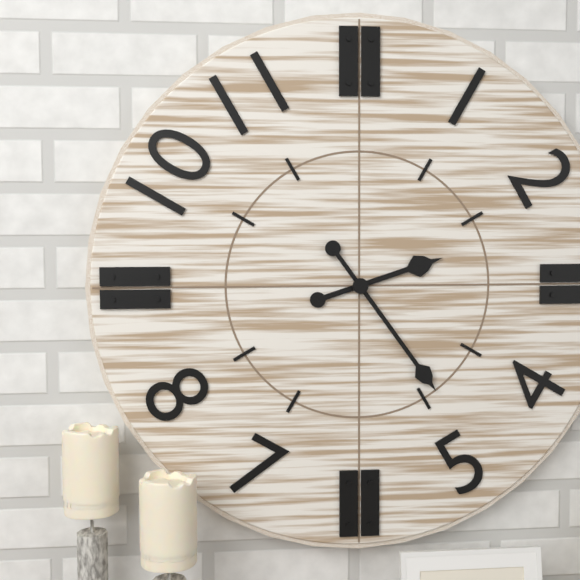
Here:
2,24
